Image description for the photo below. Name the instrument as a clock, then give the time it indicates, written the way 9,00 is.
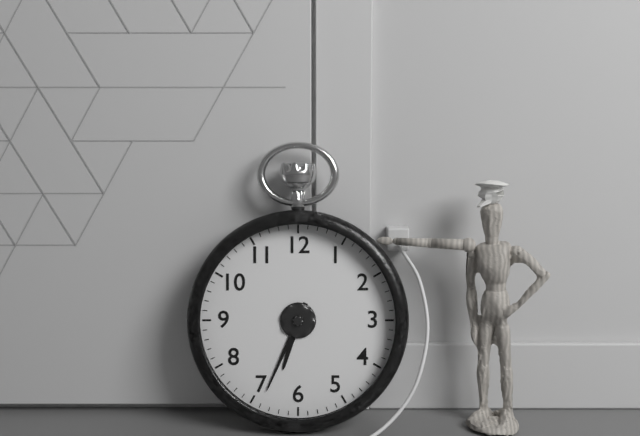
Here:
6,34
